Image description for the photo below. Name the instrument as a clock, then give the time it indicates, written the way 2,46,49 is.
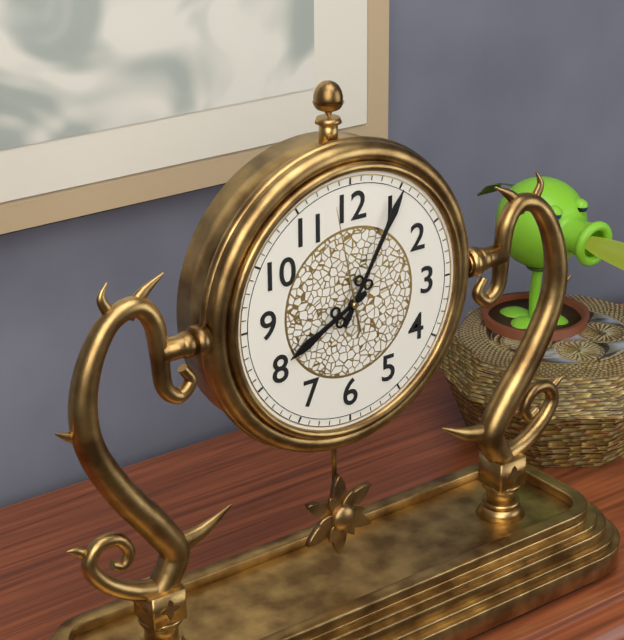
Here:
8,05,58
